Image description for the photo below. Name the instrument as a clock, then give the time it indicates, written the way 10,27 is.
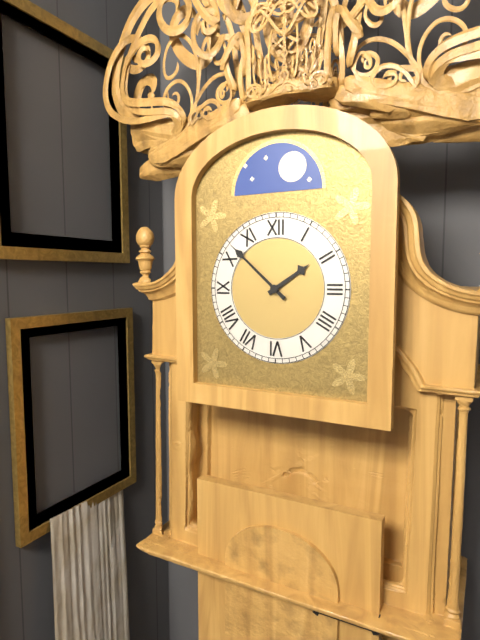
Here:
1,52
